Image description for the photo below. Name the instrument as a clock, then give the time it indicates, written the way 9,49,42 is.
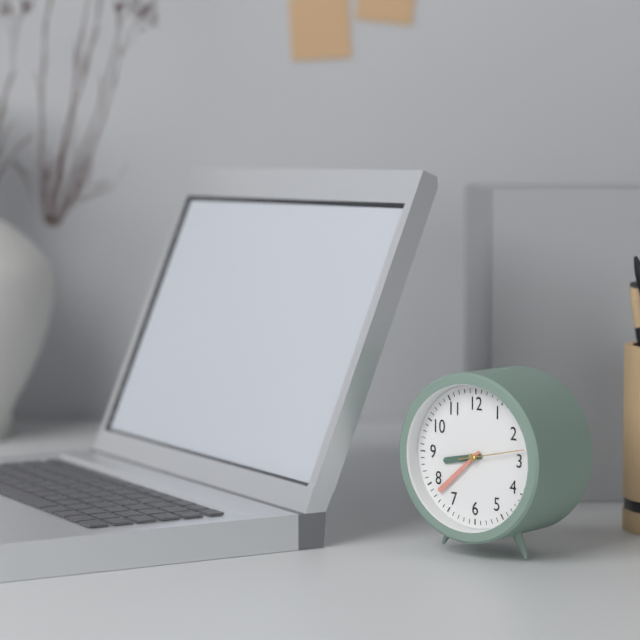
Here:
8,38,13
